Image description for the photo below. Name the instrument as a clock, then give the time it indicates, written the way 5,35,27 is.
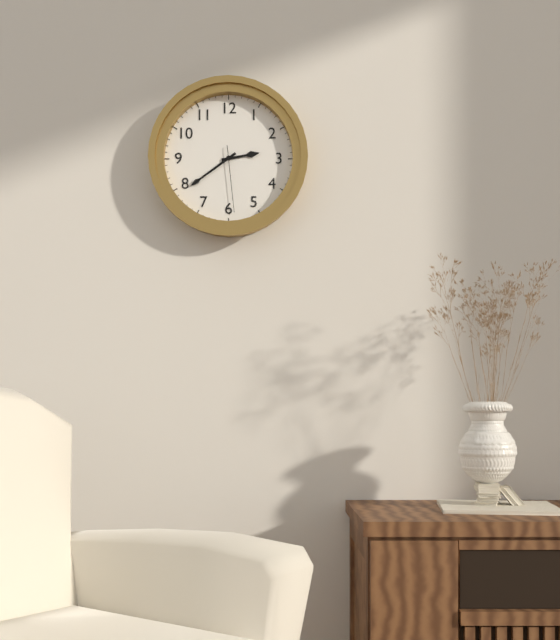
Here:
2,39,29
